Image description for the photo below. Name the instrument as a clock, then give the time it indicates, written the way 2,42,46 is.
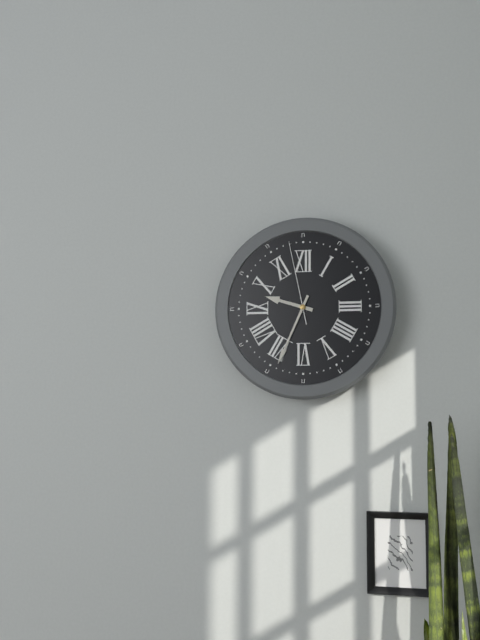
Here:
9,34,58
